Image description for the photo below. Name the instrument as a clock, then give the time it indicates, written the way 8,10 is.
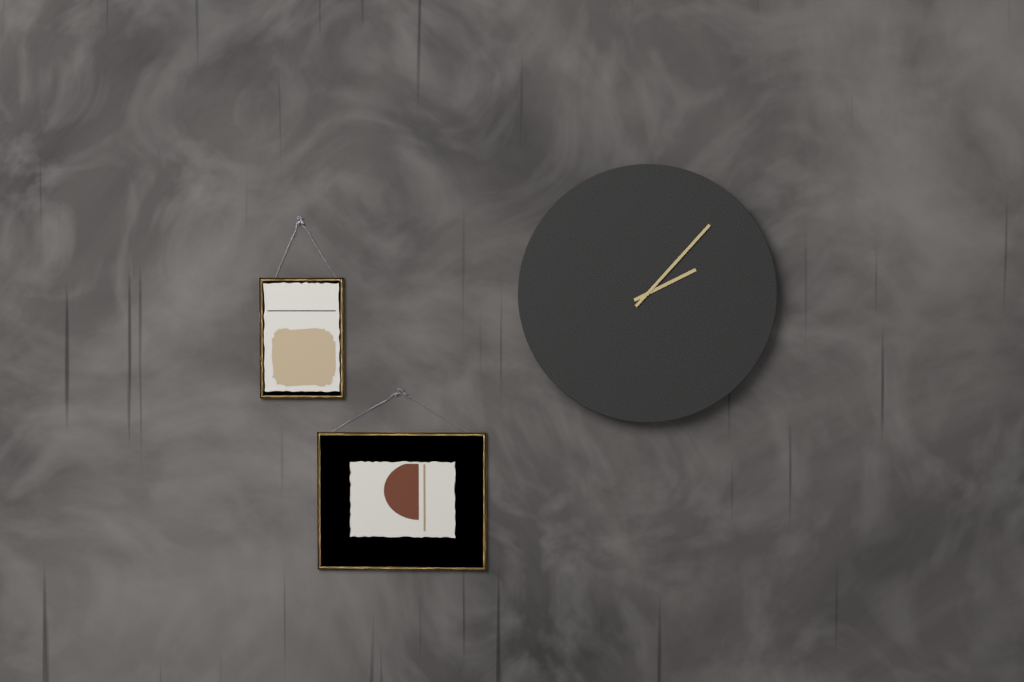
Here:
2,07
